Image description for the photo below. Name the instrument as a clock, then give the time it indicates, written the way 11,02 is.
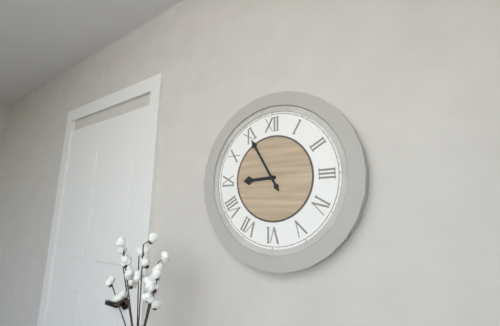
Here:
8,55
